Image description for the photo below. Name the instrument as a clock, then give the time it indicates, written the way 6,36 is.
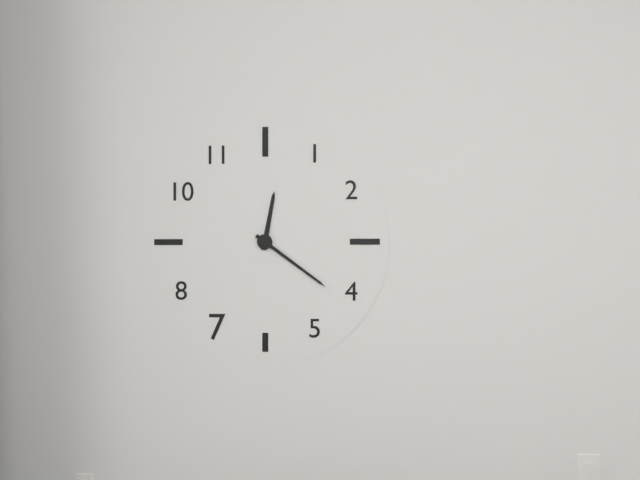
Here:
12,21
